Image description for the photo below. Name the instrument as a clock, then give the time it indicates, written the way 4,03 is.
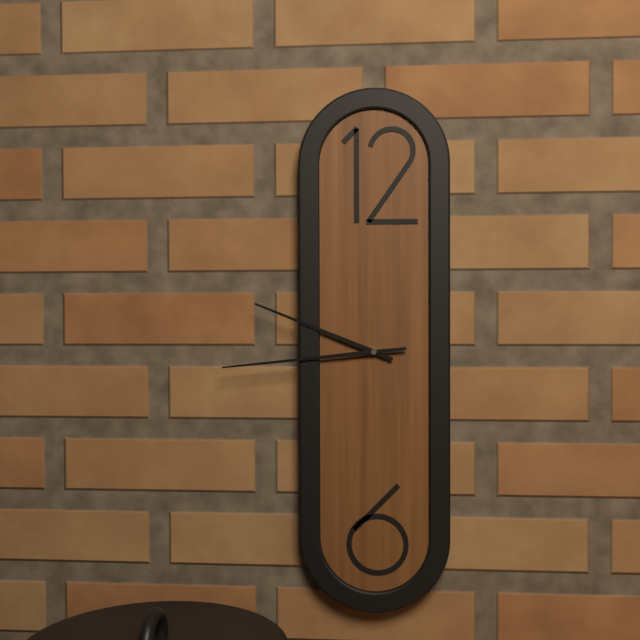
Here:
9,44
